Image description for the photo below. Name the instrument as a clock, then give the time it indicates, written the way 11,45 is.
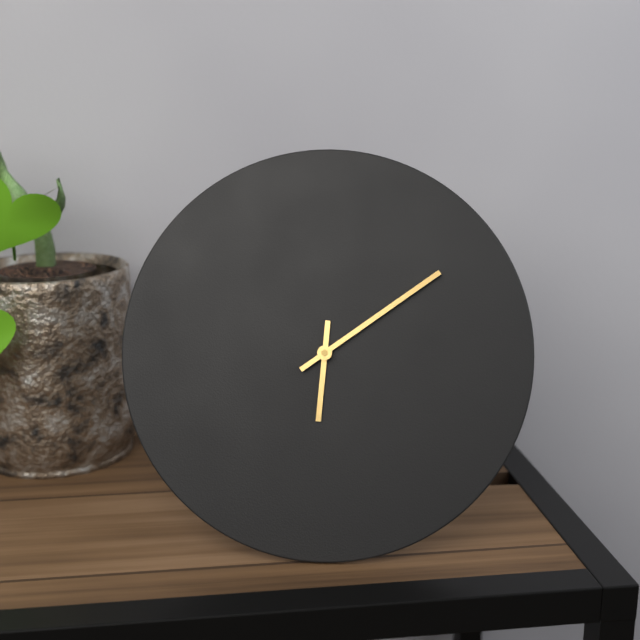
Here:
6,09
